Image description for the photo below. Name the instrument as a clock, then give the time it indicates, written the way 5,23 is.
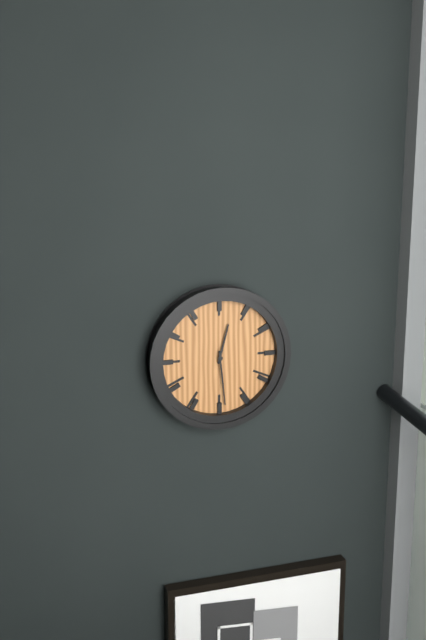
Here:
12,29
